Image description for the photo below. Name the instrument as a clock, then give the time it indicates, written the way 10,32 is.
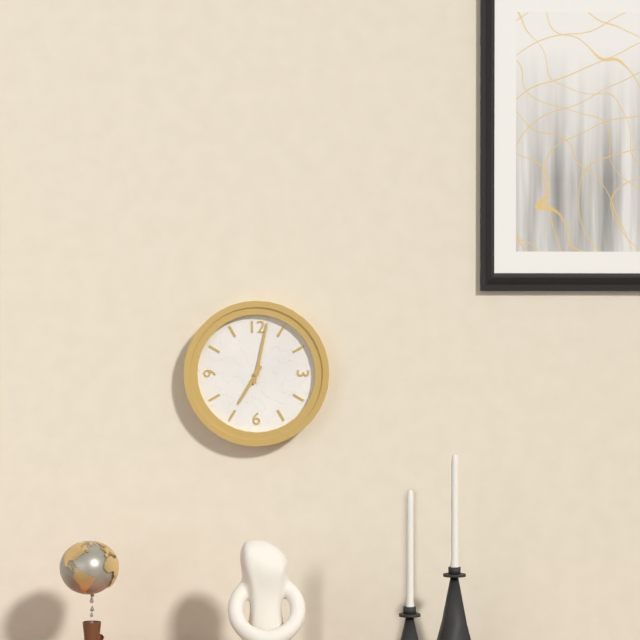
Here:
7,02
